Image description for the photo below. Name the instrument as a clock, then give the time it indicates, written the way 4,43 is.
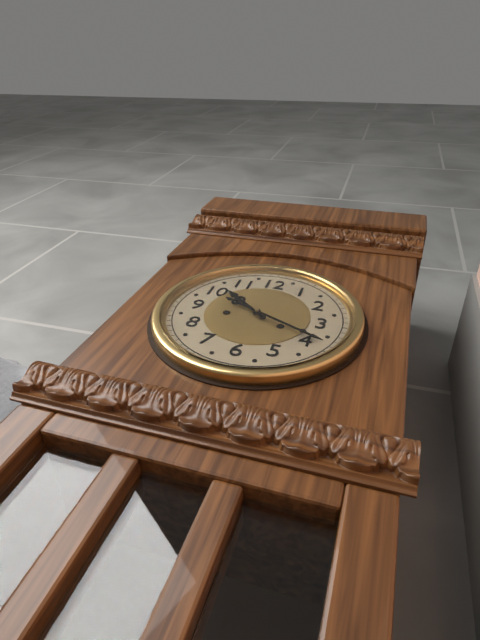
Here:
10,19
